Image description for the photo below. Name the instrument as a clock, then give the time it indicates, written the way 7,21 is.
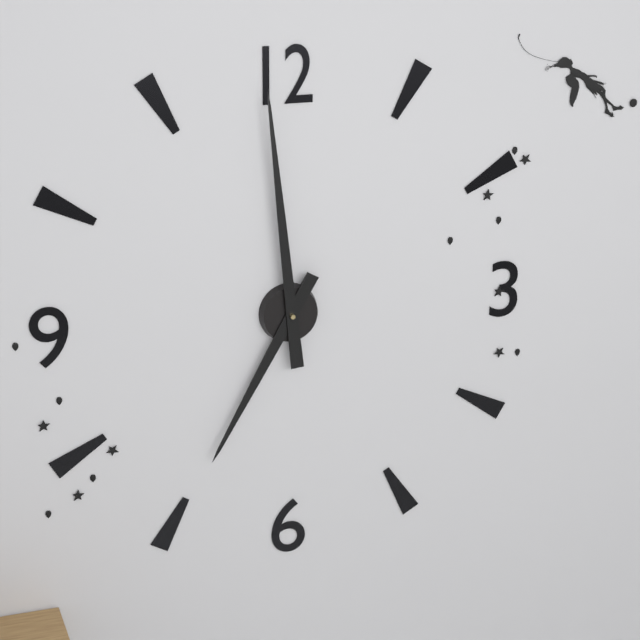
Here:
6,59
